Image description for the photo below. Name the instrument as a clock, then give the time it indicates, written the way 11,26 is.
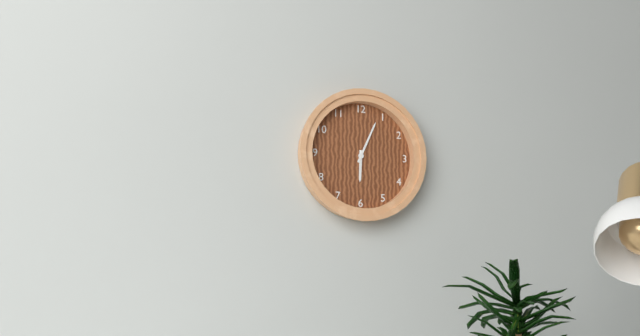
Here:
6,04
